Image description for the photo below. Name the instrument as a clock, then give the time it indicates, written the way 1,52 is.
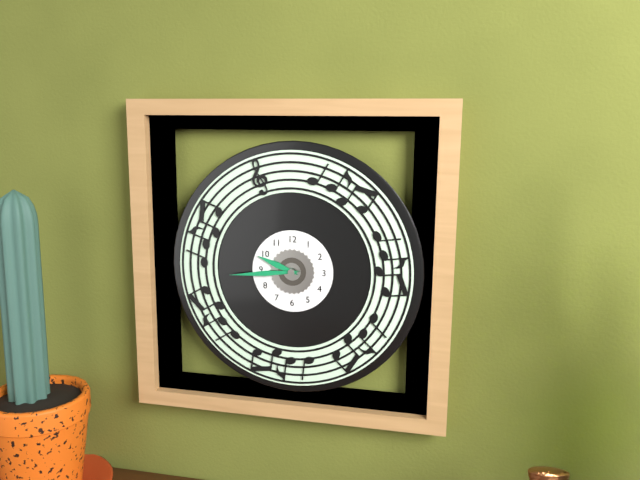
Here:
9,44
